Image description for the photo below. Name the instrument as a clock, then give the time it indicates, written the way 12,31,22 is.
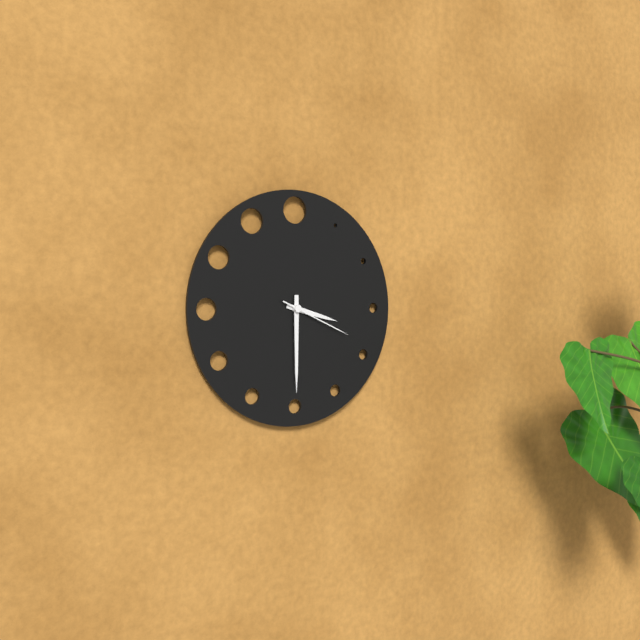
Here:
3,30,19
